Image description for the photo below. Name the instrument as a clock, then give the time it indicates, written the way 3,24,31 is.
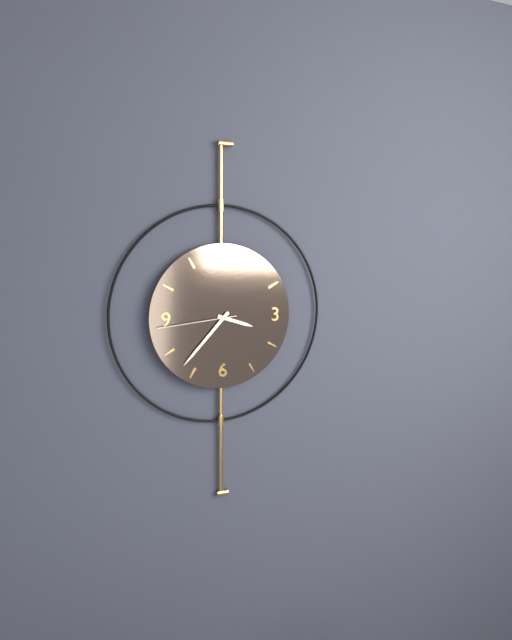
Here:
3,37,44
